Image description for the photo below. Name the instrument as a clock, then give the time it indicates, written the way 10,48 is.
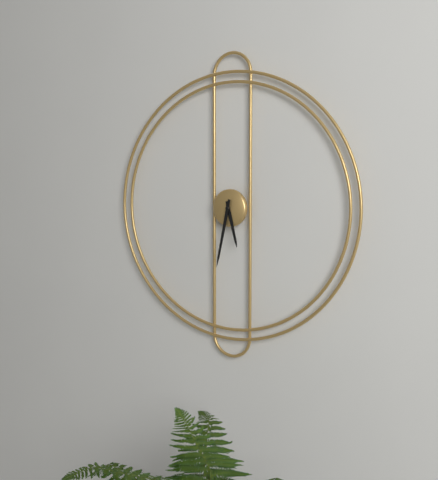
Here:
5,32
